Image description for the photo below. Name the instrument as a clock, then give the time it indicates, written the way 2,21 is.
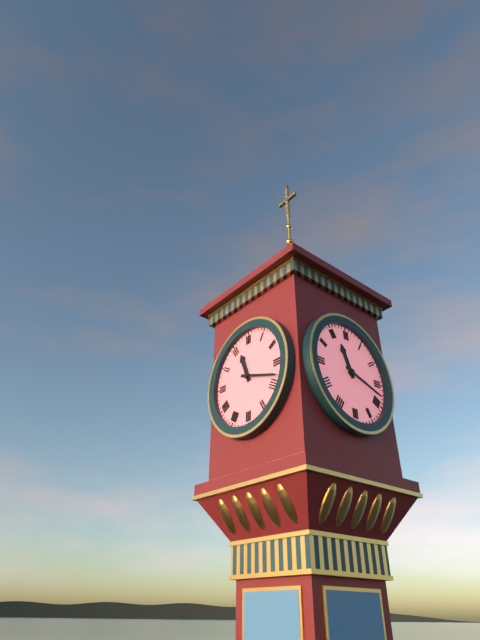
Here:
11,18
